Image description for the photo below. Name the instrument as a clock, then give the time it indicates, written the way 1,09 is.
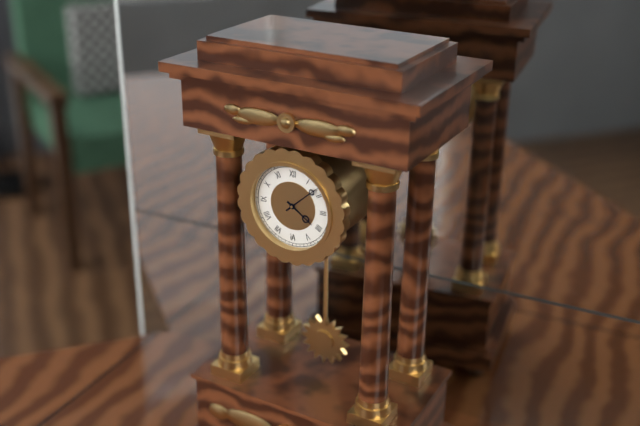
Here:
4,08
